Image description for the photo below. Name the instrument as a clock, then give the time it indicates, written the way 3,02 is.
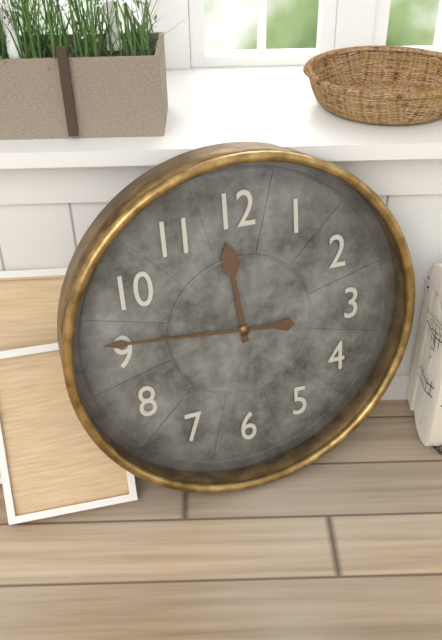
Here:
11,46
